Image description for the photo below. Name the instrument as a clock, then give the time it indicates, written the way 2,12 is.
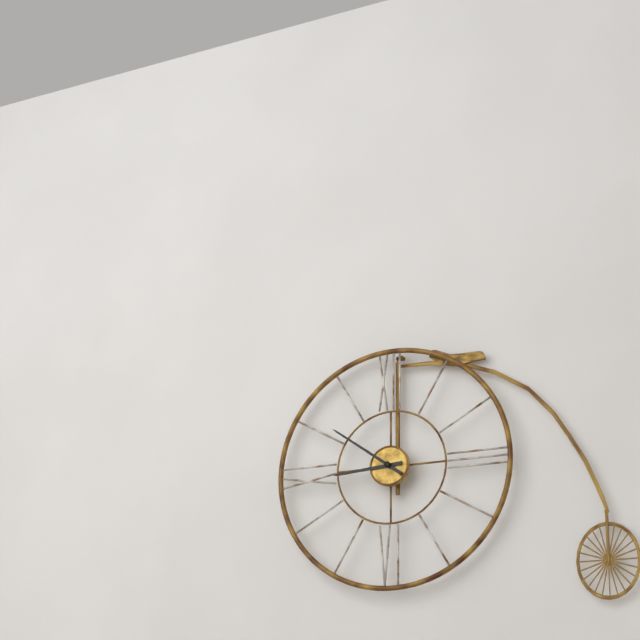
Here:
8,51
